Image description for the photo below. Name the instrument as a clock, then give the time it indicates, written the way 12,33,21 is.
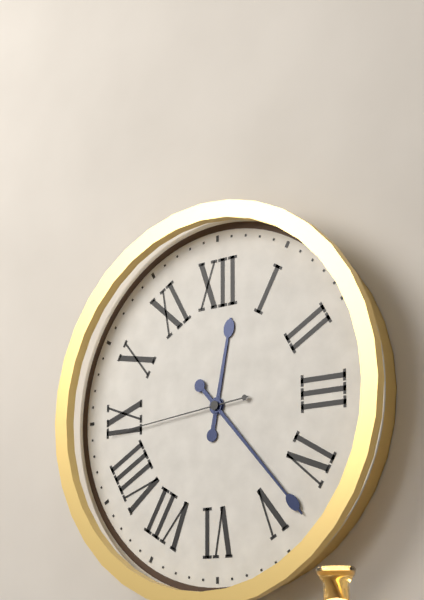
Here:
12,23,44
